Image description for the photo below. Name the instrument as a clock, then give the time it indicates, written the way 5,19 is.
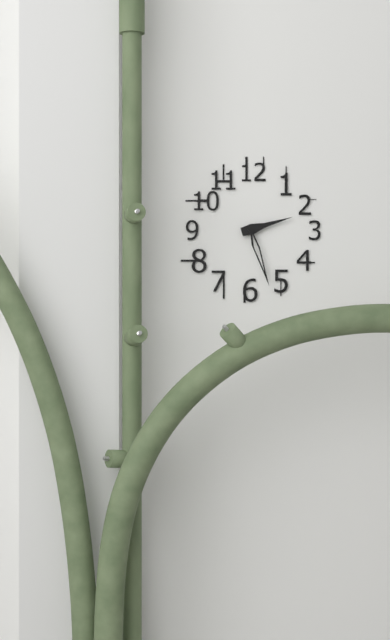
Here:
2,27
